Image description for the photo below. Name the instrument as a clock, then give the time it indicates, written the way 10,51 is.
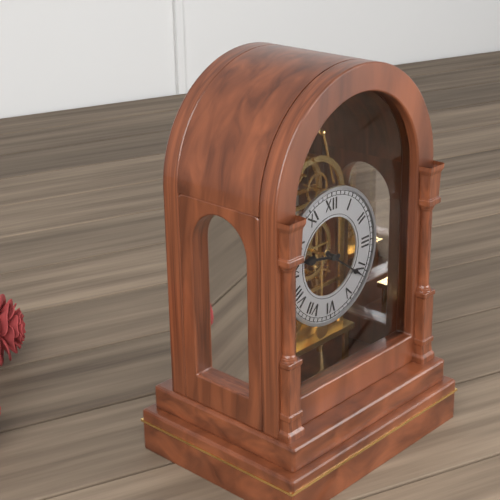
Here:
9,21
